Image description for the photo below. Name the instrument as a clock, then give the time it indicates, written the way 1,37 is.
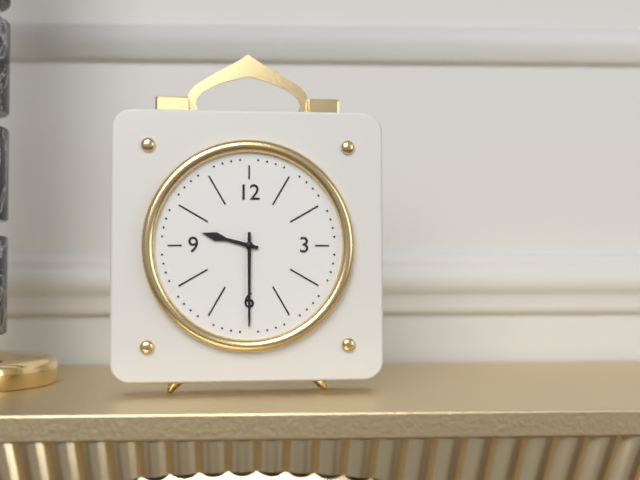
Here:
9,30
